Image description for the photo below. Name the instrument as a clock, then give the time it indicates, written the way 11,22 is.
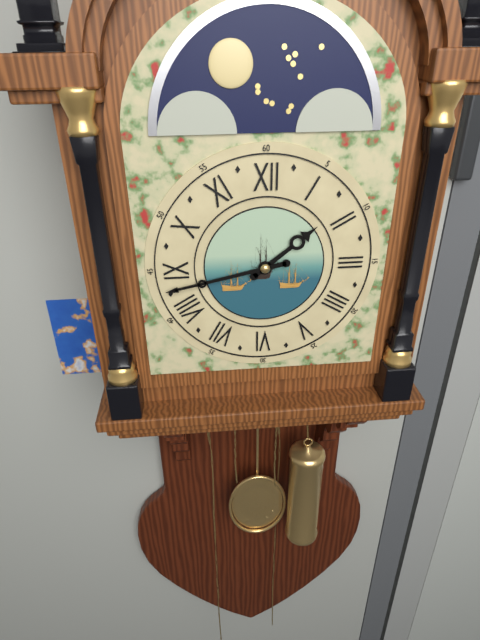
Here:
1,43
